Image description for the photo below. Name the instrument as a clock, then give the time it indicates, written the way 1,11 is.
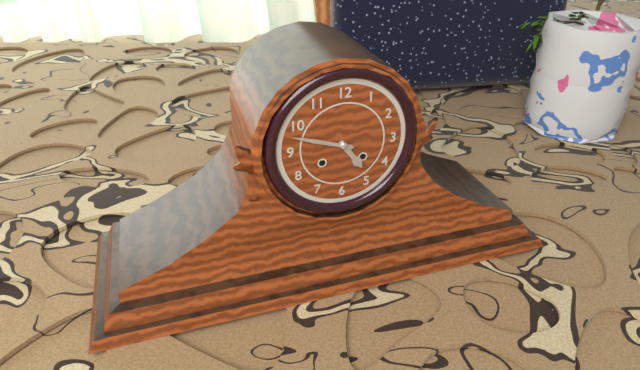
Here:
4,48
